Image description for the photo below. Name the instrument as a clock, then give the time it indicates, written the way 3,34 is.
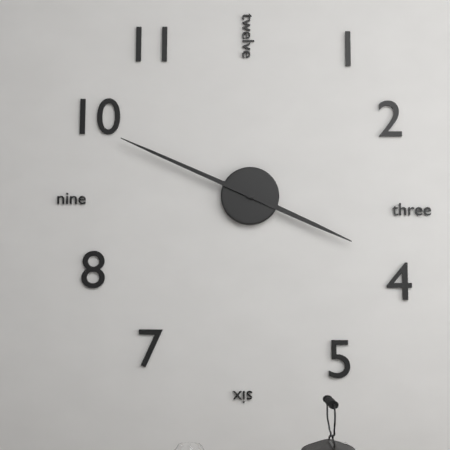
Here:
3,49
